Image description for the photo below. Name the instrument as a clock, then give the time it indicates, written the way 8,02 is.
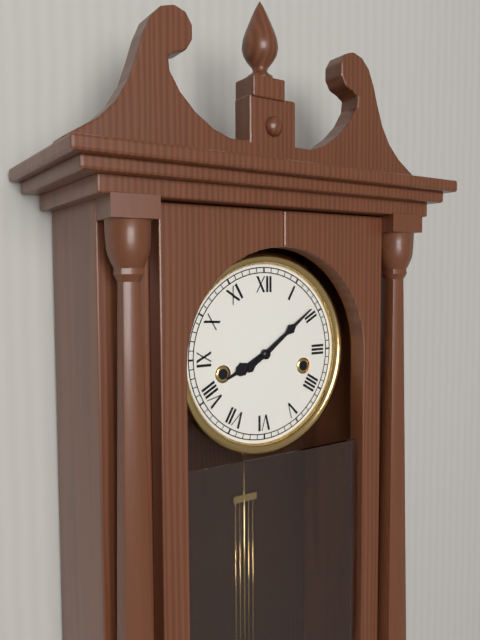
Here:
8,09
